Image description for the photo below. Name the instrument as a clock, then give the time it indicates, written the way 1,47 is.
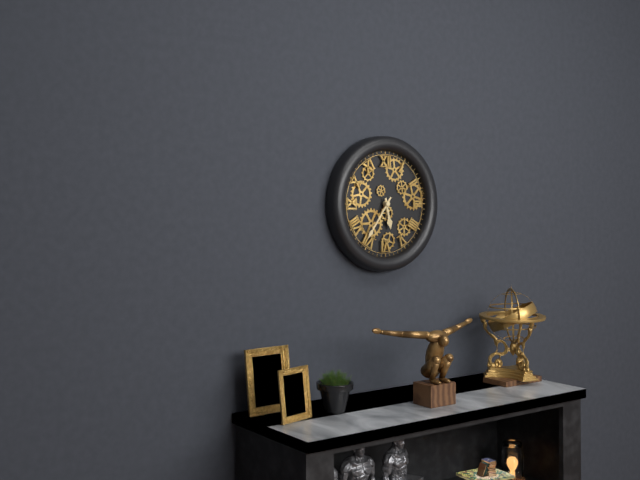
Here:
5,36
